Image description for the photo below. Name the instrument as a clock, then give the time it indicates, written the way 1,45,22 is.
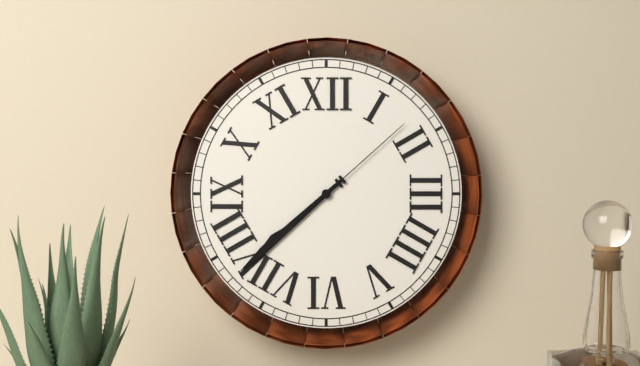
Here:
7,38,08
